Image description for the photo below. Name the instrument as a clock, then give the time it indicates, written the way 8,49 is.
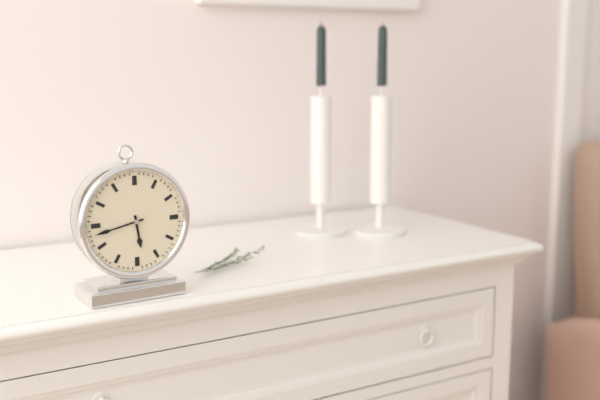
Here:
5,43
